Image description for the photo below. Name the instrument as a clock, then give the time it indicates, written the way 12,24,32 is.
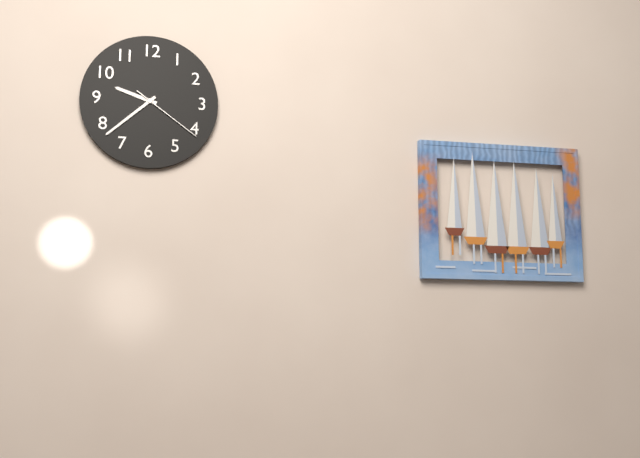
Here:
9,38,21
